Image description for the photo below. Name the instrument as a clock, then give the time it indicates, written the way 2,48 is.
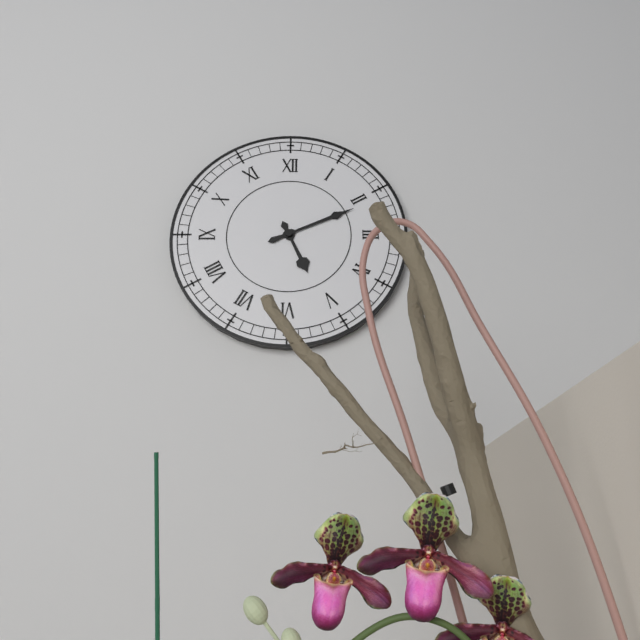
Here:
5,11
